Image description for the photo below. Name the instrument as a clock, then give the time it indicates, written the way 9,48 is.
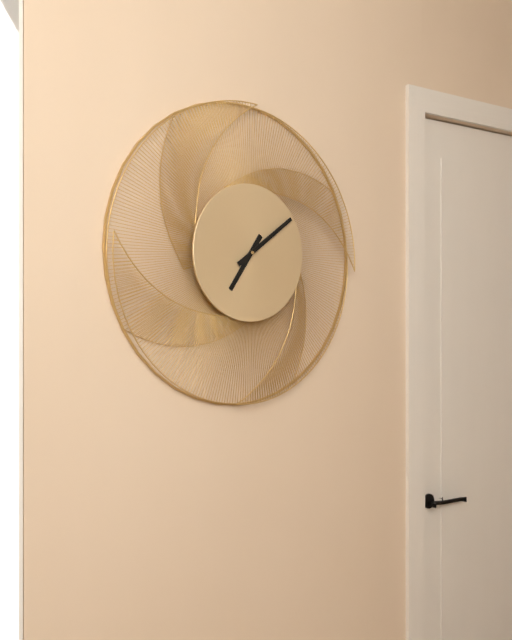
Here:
7,09
